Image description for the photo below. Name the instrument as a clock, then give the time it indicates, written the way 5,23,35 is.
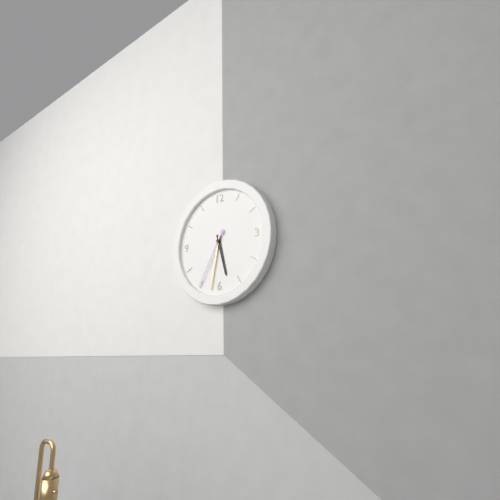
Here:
5,32,35
